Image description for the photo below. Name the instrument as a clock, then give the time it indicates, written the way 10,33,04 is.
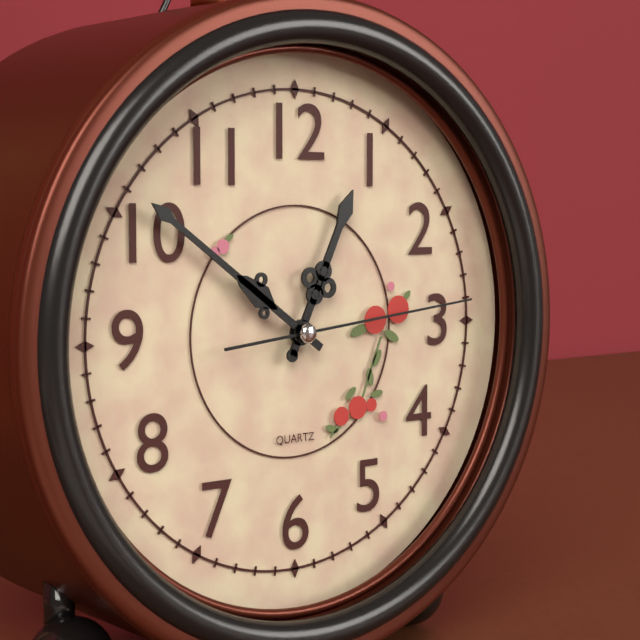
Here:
12,51,14
